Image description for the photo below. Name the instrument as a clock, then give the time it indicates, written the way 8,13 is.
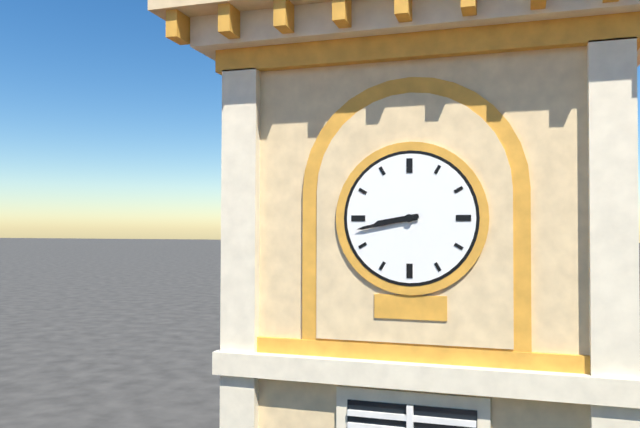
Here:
8,43
